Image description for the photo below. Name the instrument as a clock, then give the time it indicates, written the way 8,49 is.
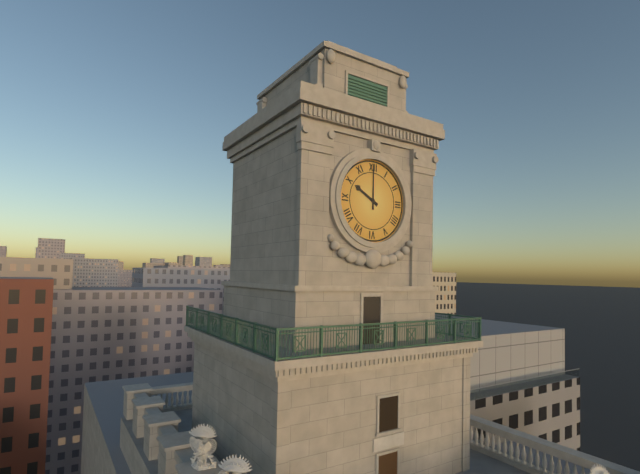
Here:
10,00
